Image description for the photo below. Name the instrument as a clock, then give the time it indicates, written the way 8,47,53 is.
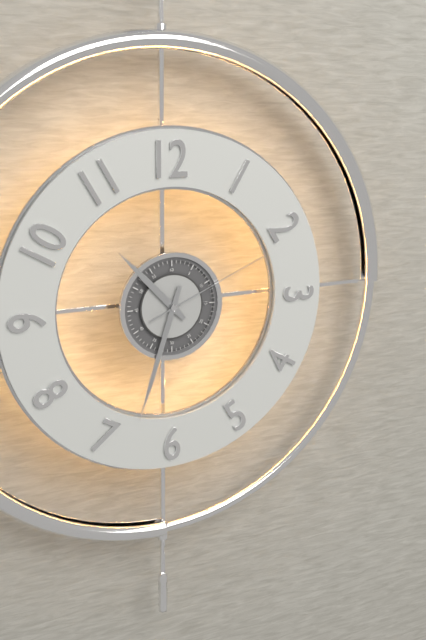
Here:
10,33,11
